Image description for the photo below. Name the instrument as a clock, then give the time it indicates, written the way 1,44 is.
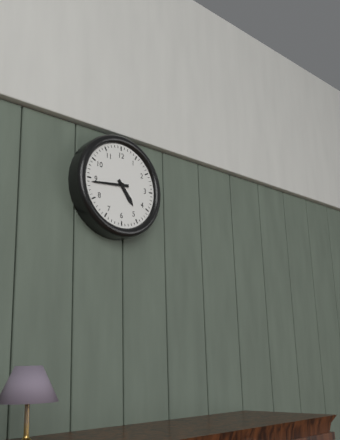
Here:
4,44
